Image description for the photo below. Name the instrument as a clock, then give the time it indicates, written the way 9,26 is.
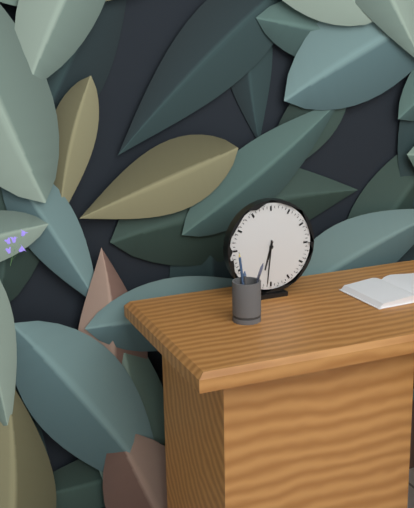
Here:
6,31
